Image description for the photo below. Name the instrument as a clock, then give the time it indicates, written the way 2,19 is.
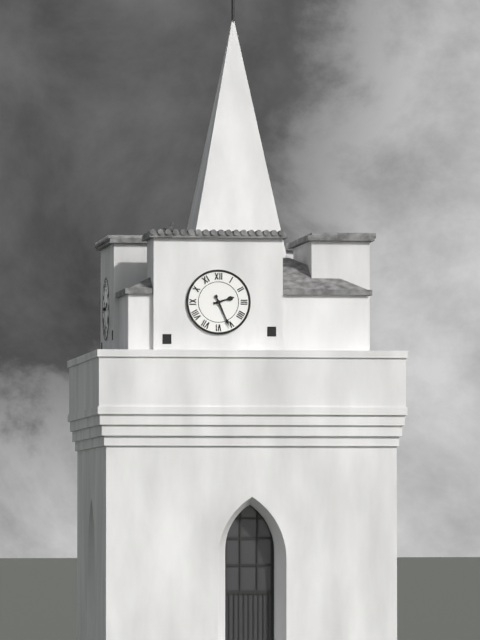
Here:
2,26
